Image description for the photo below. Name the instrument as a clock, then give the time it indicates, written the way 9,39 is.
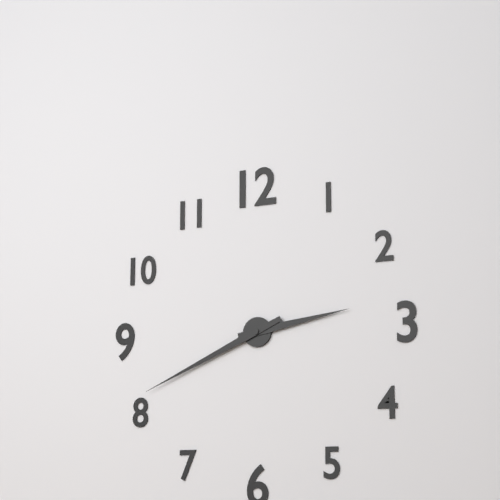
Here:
2,41
